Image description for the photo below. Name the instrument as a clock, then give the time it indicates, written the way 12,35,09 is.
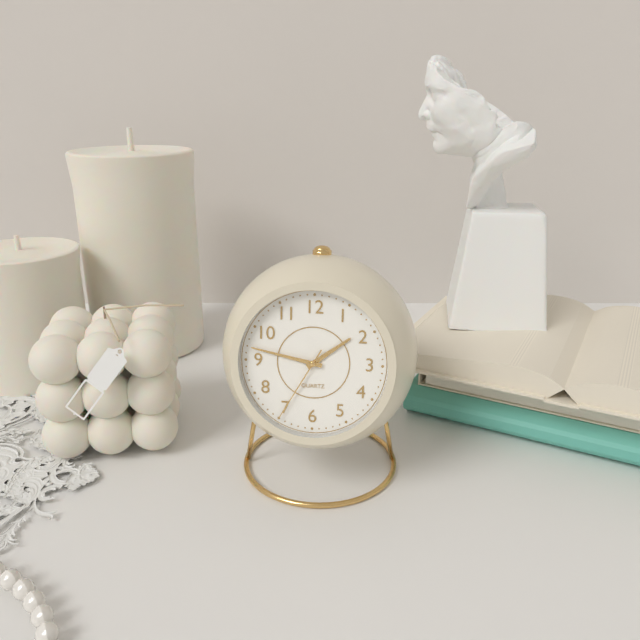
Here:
1,47,35
